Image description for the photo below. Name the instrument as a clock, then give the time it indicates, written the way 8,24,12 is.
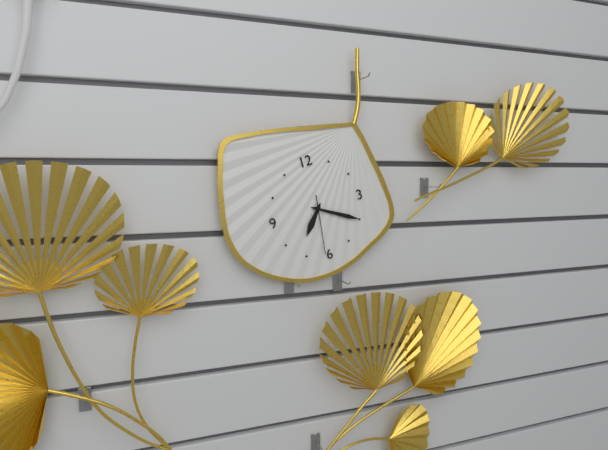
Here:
7,20,31
